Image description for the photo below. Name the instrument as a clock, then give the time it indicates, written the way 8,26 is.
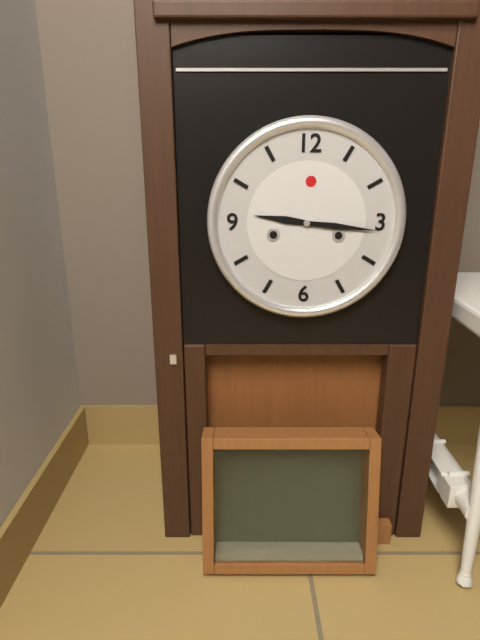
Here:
9,16
